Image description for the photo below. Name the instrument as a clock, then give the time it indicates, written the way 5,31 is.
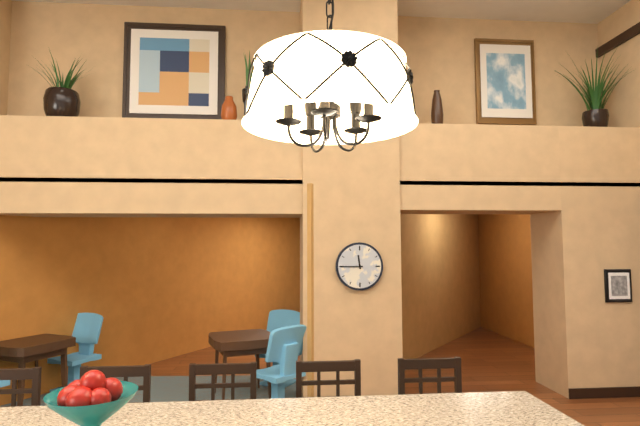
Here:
11,45
